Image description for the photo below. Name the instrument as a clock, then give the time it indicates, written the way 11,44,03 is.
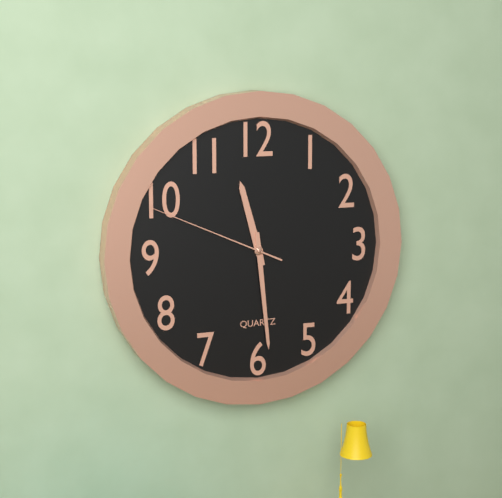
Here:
11,29,49
